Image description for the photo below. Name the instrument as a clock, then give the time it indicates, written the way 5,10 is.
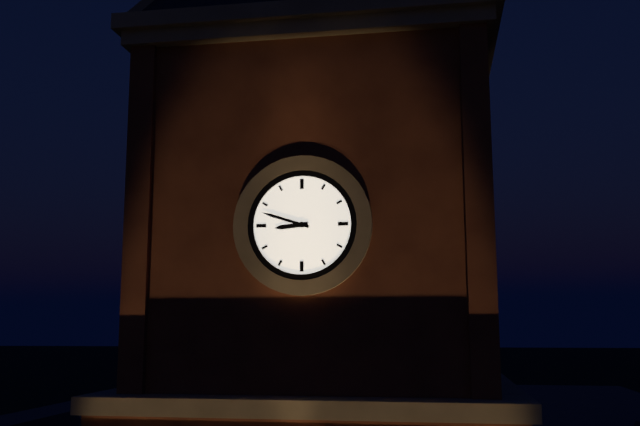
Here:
8,48
